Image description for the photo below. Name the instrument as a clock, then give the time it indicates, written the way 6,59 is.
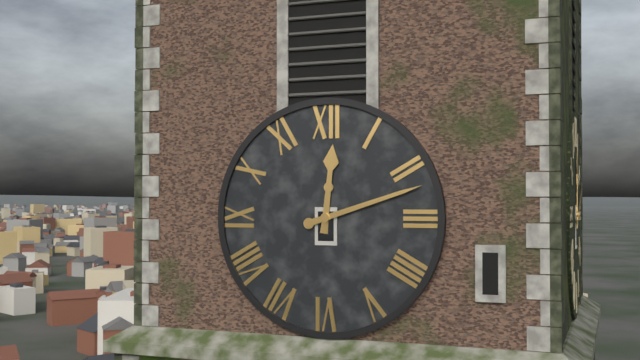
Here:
12,12
